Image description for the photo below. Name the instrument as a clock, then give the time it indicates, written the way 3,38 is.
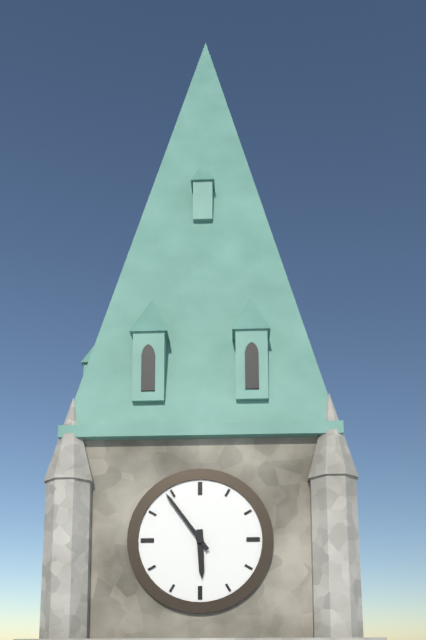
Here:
5,54
